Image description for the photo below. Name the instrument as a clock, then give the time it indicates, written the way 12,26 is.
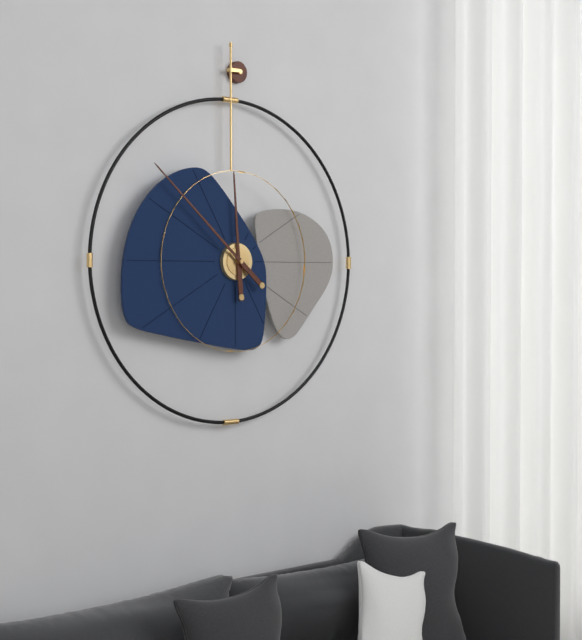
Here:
11,52
